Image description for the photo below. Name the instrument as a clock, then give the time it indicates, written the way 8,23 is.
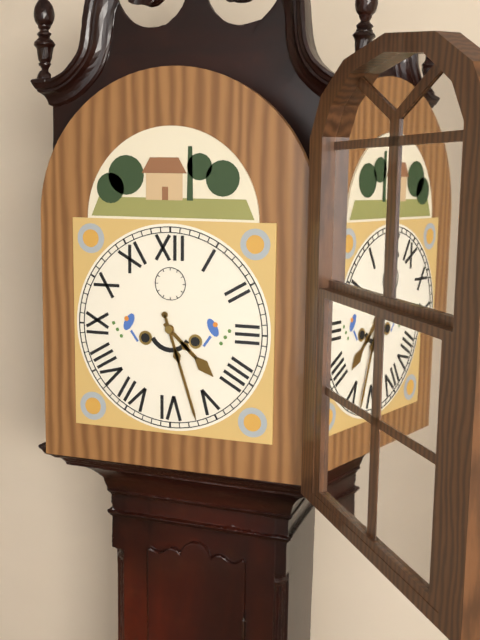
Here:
4,27
